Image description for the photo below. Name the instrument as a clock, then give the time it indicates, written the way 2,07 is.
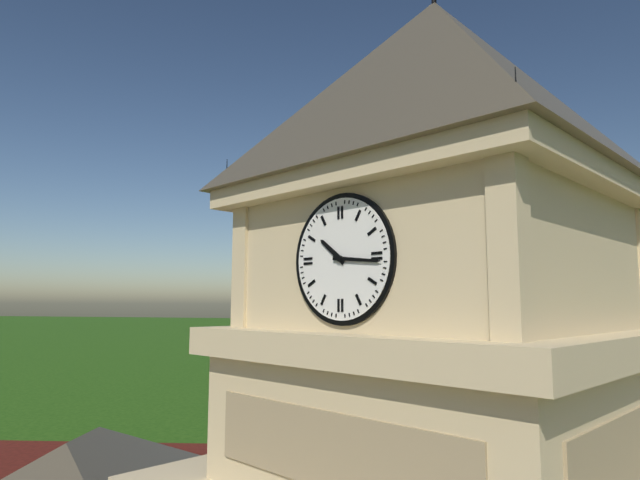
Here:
10,16
